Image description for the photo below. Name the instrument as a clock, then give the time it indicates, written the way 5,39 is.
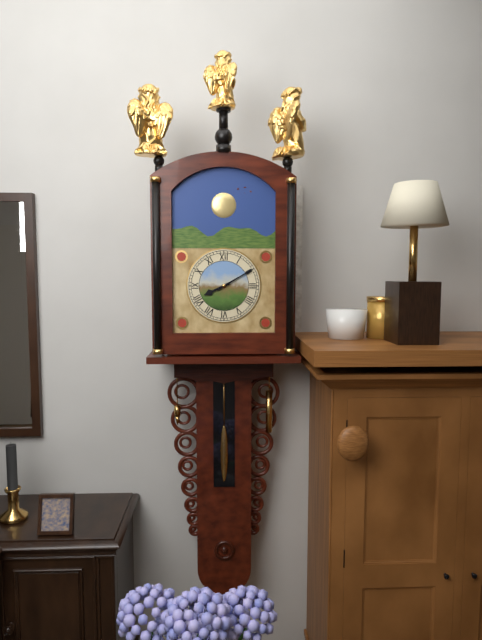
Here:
8,10
